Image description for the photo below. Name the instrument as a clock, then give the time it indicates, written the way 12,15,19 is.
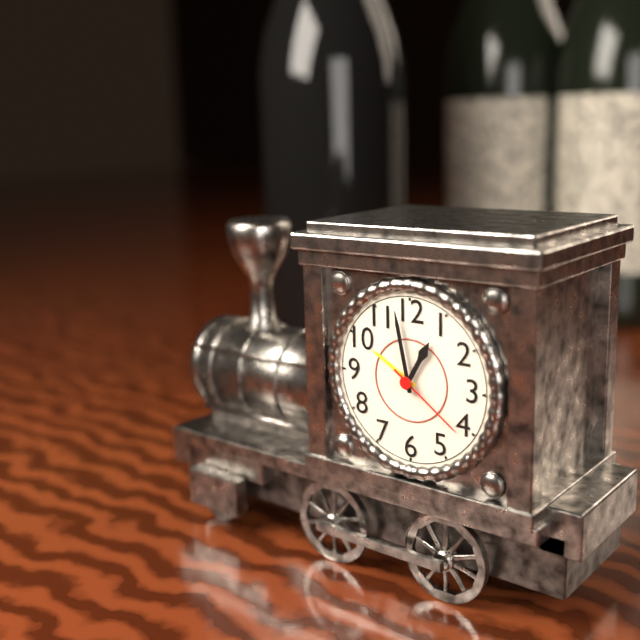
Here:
12,58,21
